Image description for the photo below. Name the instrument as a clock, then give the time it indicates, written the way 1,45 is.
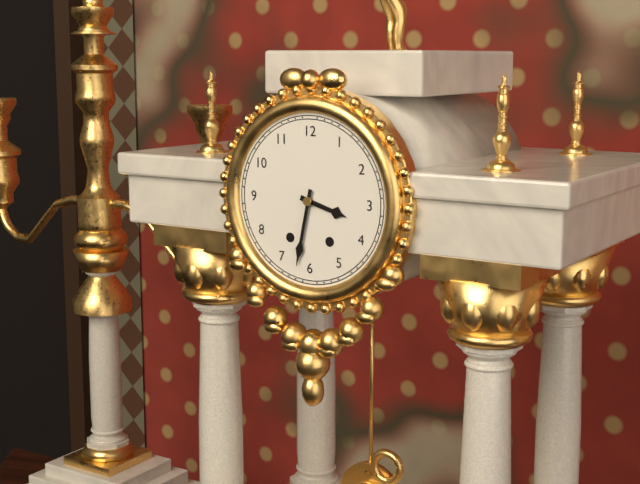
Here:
3,32
